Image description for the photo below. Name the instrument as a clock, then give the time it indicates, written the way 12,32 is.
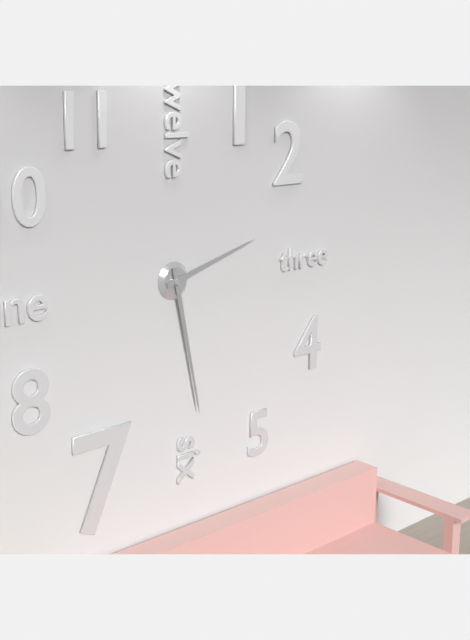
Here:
2,28
